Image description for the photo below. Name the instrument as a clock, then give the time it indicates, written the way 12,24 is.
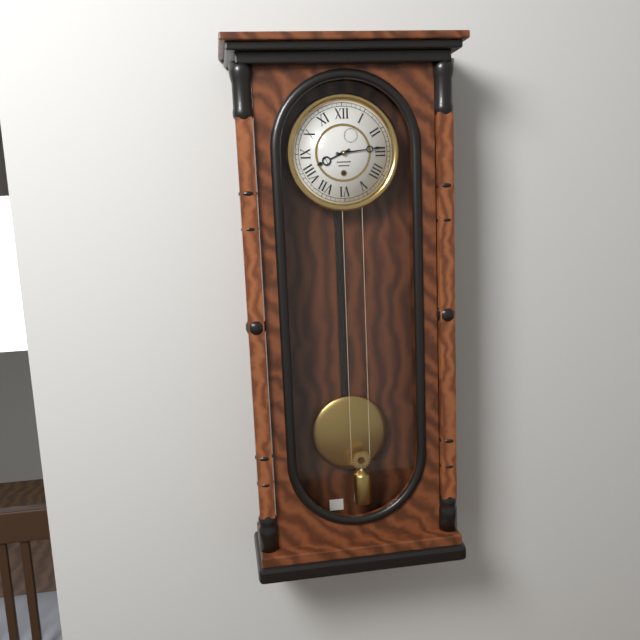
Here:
8,14
